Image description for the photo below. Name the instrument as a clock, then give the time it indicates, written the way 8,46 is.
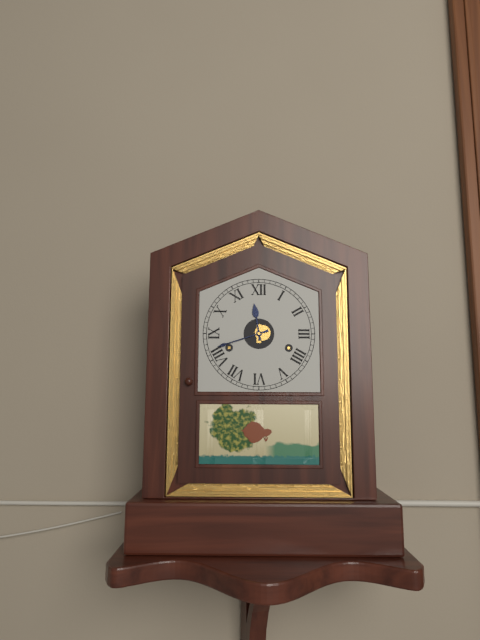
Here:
11,42
